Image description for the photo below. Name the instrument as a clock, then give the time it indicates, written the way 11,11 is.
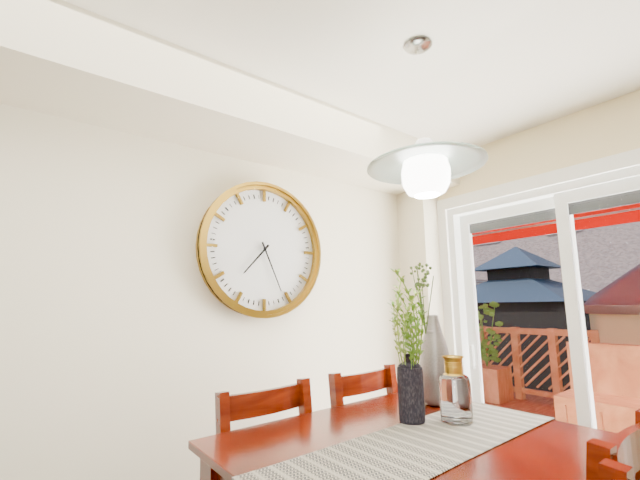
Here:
7,26
